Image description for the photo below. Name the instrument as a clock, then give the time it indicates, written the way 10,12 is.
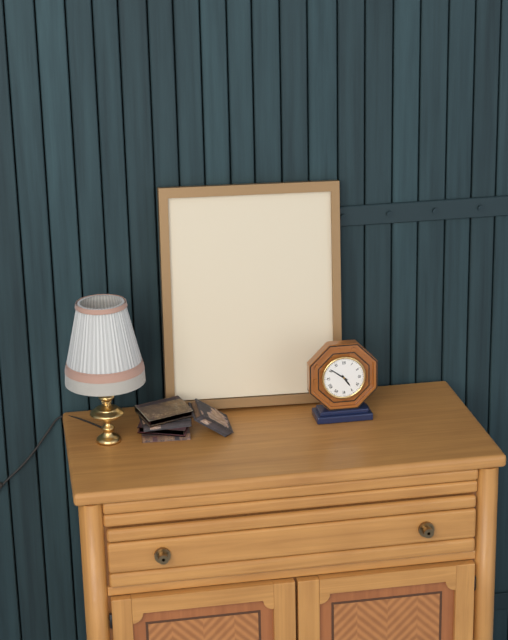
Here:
4,51
